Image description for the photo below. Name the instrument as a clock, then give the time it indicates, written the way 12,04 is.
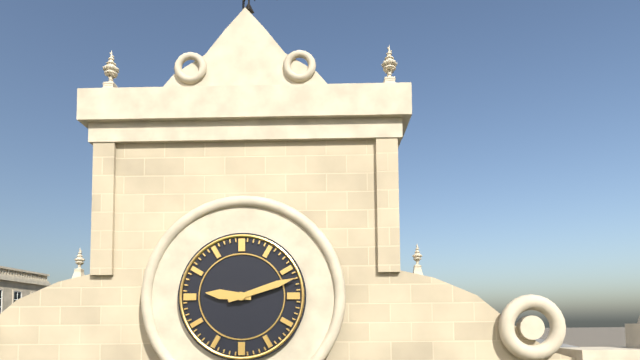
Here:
9,12
